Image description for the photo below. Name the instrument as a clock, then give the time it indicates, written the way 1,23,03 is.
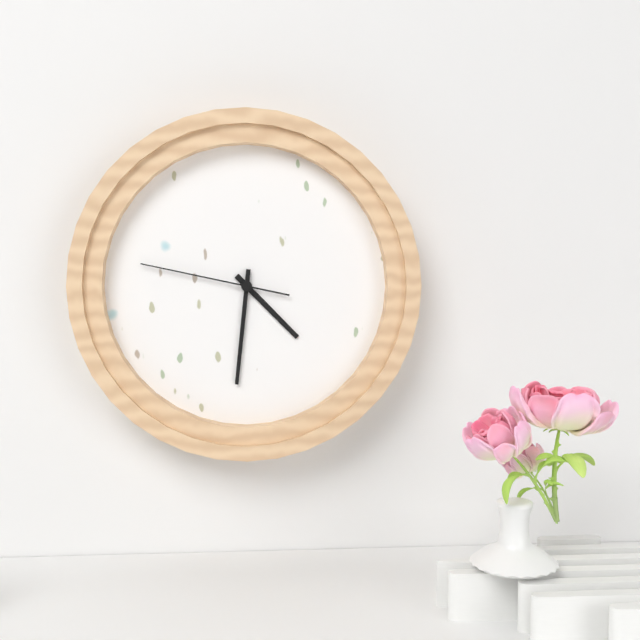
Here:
4,31,47
